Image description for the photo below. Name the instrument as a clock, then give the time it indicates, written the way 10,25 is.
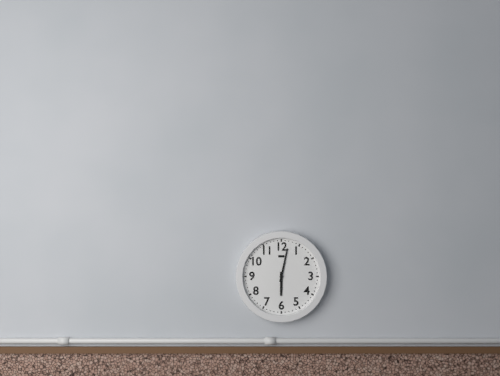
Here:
6,02
